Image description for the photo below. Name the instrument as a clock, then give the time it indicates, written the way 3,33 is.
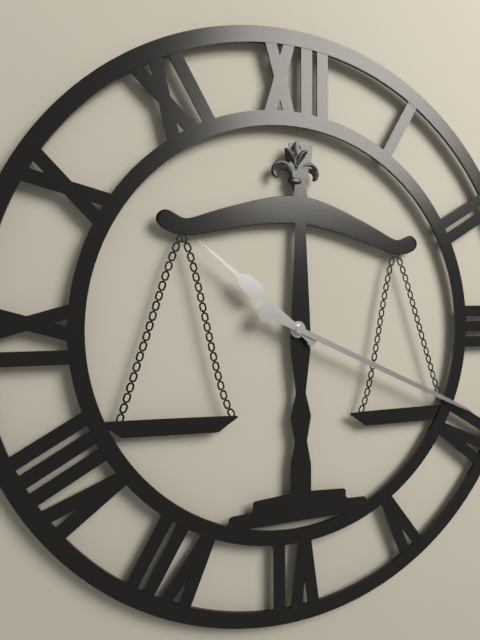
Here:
10,19
